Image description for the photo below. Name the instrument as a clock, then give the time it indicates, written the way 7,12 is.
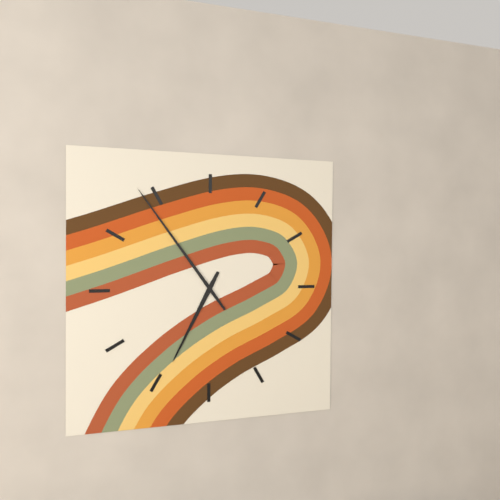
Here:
6,54
